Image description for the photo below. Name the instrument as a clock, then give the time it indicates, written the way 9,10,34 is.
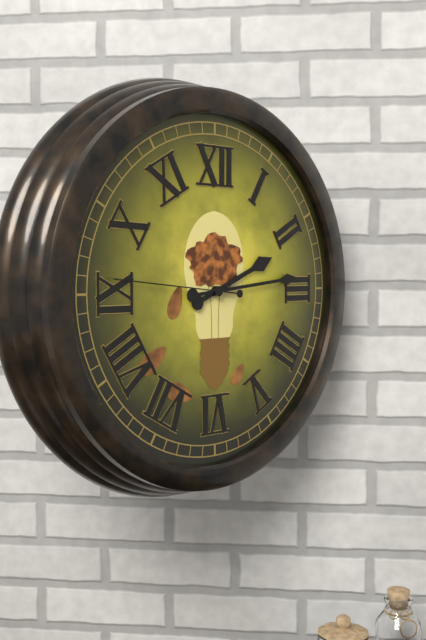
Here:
2,14,46
